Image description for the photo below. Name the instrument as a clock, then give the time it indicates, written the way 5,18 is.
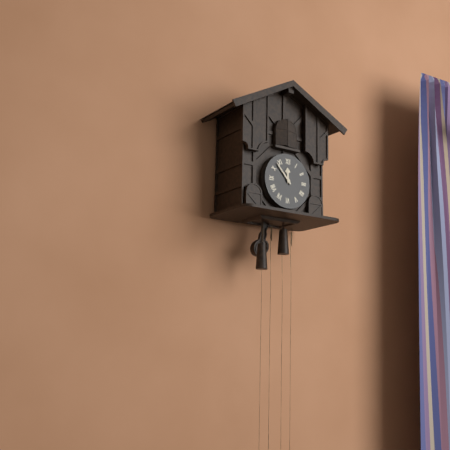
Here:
11,53
